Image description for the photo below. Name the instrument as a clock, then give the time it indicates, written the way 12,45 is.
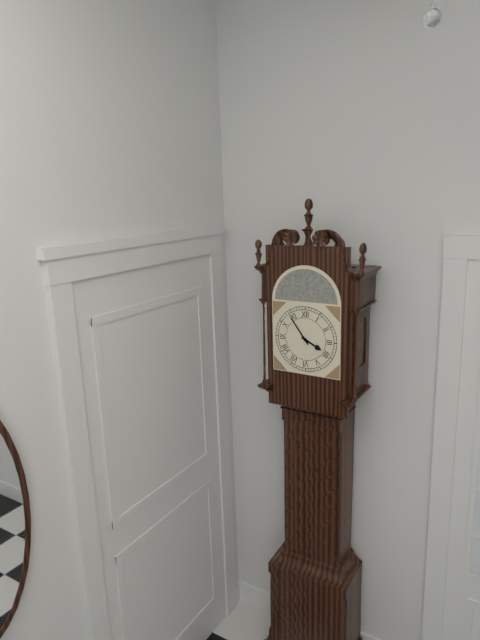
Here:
3,54
